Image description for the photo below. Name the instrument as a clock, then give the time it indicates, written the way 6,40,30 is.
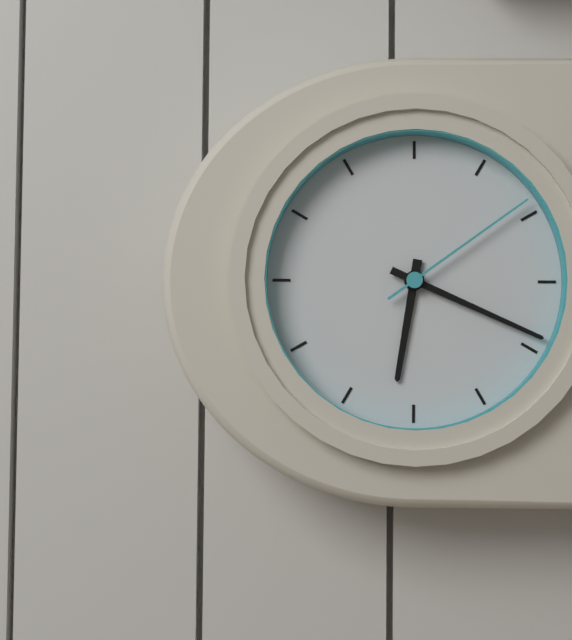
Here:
6,19,09
